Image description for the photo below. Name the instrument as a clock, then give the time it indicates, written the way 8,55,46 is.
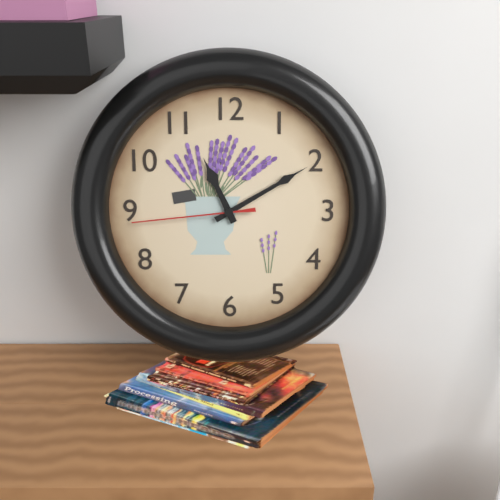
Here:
11,10,44
